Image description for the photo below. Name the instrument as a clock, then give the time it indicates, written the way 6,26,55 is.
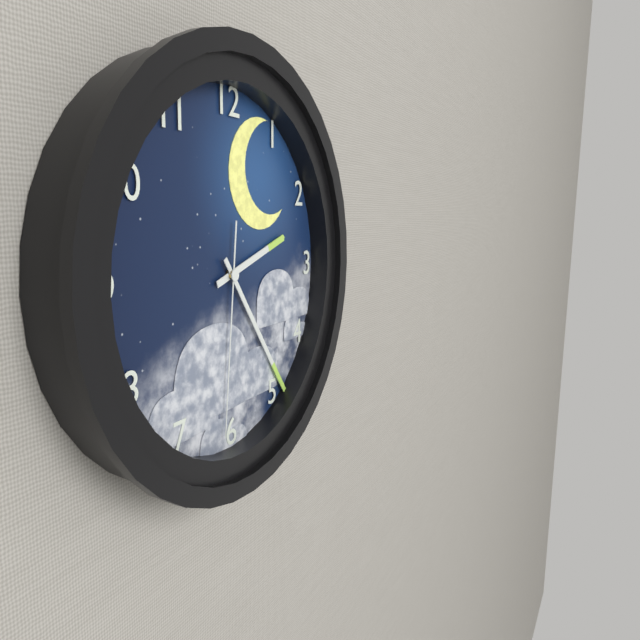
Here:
2,24,31
